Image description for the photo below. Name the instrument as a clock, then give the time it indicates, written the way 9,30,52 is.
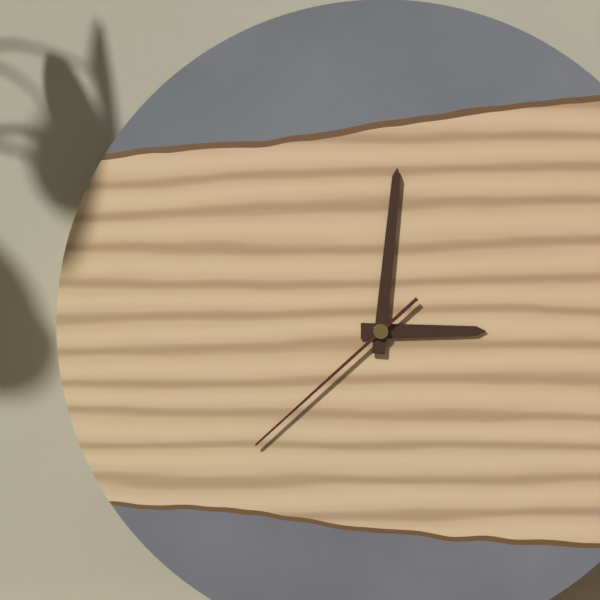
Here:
3,01,38
